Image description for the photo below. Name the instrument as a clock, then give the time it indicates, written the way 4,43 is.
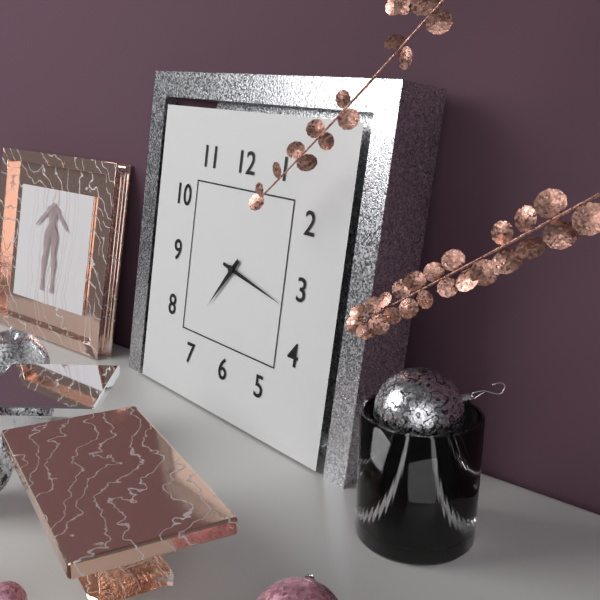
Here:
7,17
